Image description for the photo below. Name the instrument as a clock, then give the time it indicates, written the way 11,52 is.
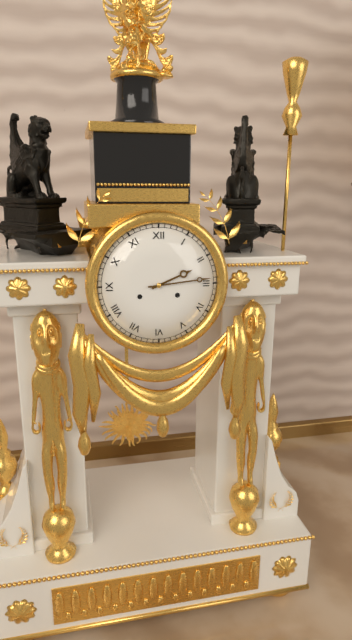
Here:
2,14
